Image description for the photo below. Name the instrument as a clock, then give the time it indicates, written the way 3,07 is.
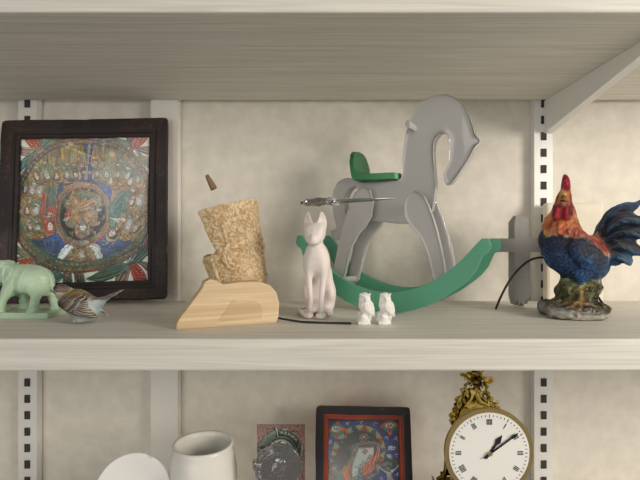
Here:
1,09
